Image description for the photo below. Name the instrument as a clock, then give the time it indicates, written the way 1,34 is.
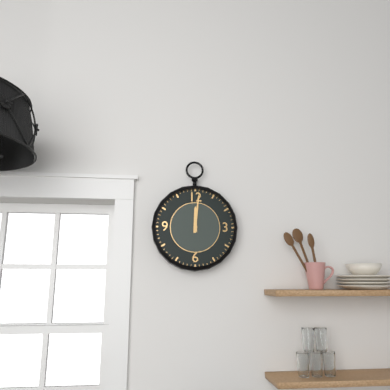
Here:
12,01
